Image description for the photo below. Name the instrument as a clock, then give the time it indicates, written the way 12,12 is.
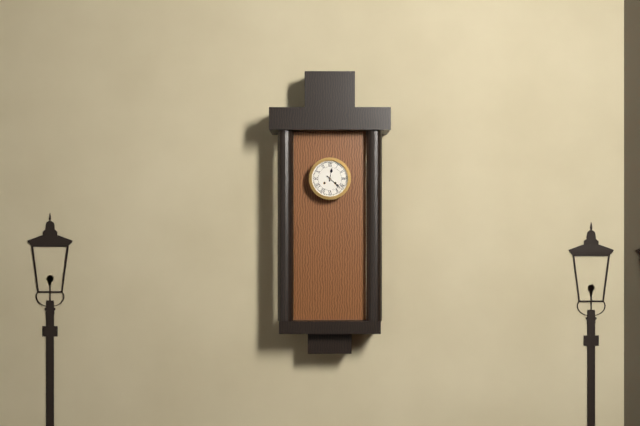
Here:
12,22
